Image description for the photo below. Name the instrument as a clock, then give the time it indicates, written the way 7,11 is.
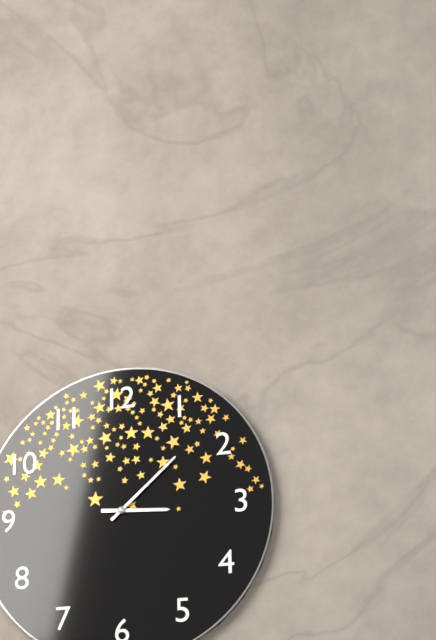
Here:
3,08
